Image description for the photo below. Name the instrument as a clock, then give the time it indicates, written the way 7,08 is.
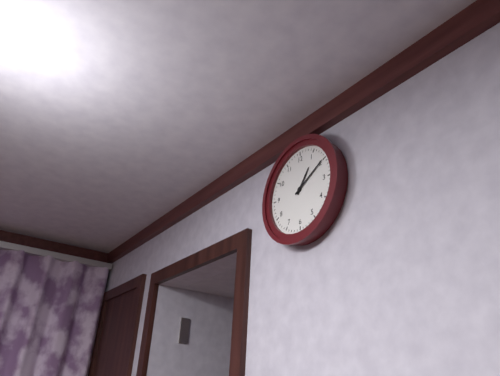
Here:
1,10
